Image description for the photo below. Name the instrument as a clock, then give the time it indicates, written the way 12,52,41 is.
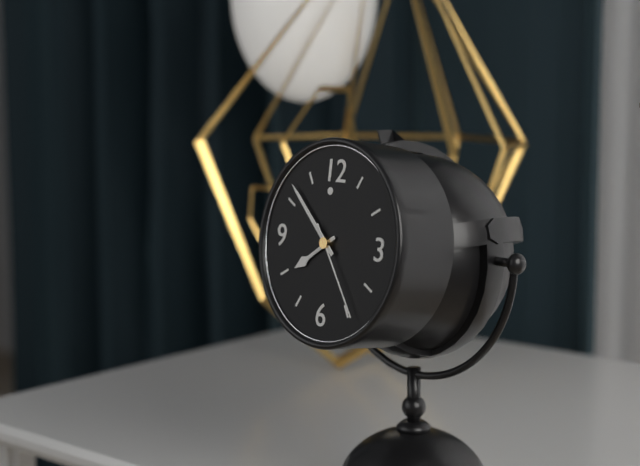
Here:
7,52,24
